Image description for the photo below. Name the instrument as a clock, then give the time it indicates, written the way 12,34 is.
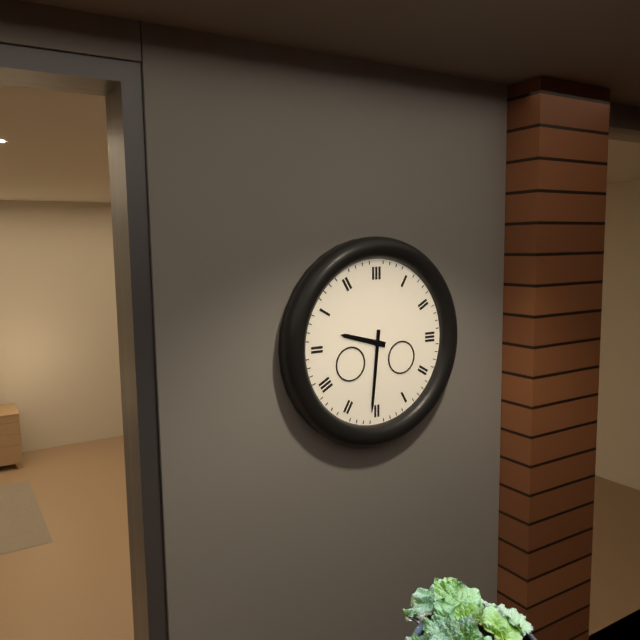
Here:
9,31
